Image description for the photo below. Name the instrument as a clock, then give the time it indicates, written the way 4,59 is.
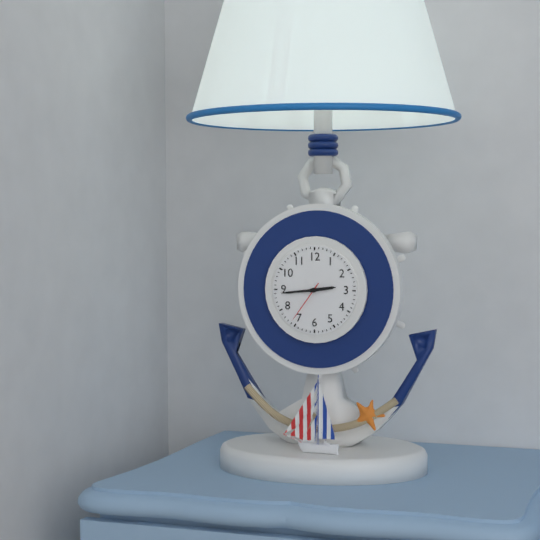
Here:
2,44
